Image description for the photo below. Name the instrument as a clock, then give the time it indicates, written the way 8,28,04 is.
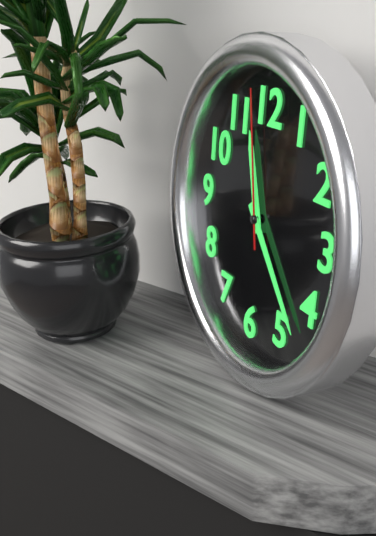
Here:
11,23,58
